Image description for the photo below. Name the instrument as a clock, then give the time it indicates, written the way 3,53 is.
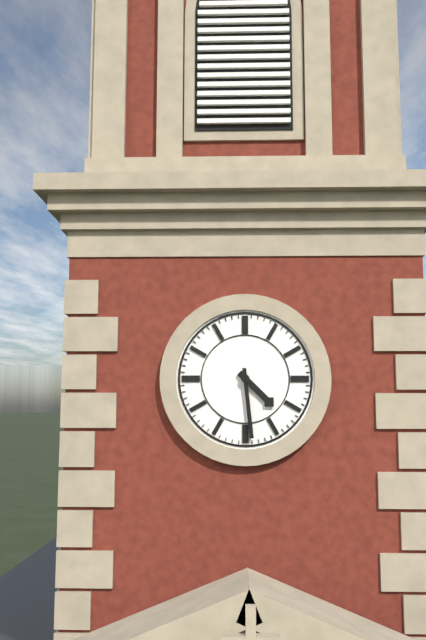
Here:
4,29
